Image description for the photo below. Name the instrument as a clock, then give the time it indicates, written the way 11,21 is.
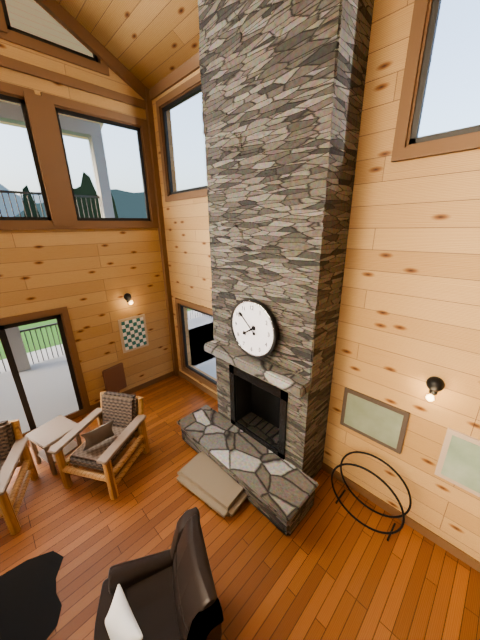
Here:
7,52
